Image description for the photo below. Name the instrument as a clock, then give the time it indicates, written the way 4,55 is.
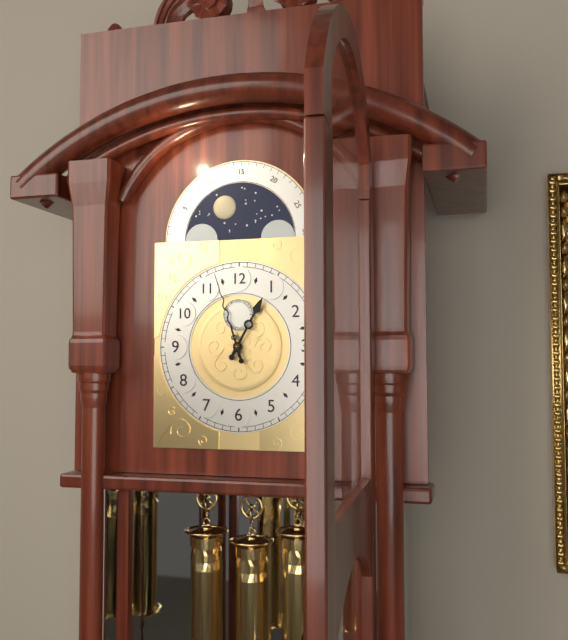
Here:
12,57
